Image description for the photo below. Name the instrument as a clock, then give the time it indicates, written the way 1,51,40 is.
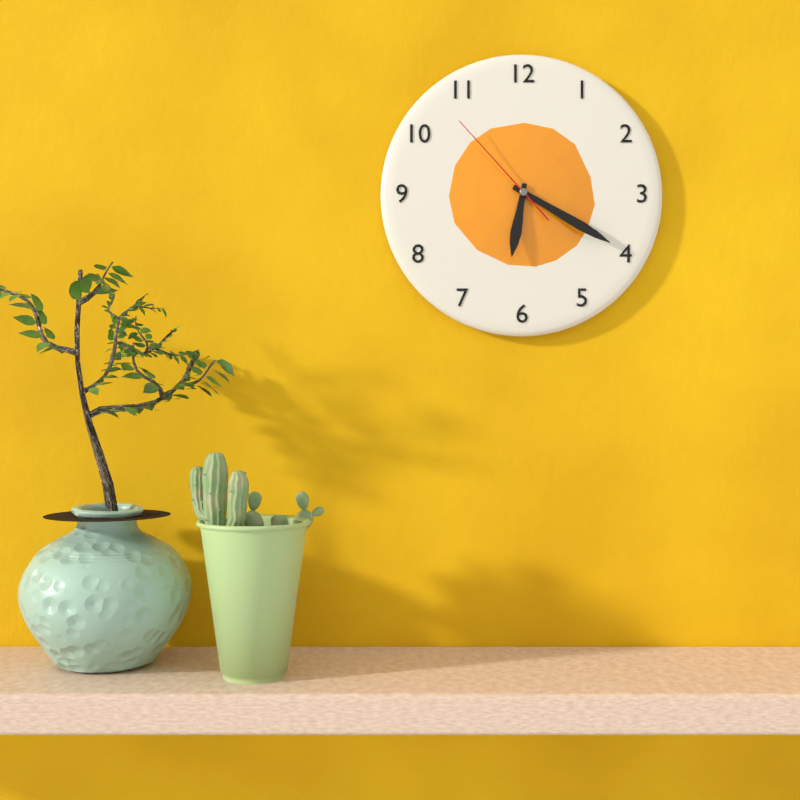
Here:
6,20,53
